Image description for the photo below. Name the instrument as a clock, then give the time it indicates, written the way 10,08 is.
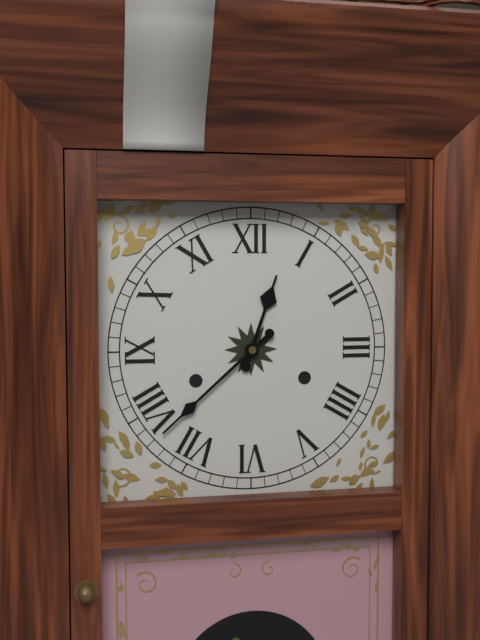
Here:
12,38
